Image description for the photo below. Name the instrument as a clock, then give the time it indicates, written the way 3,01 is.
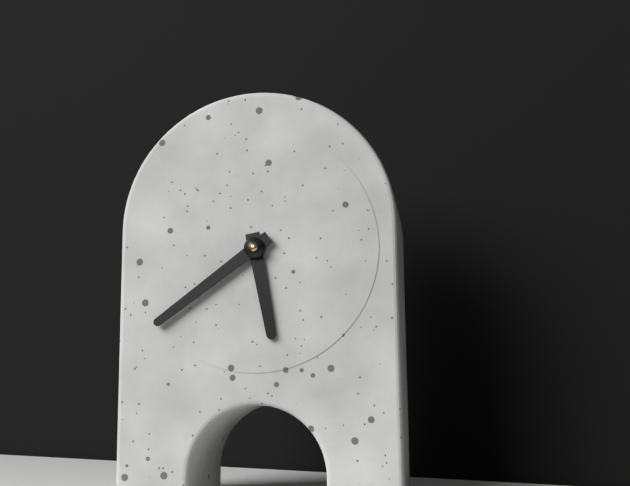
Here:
5,39
